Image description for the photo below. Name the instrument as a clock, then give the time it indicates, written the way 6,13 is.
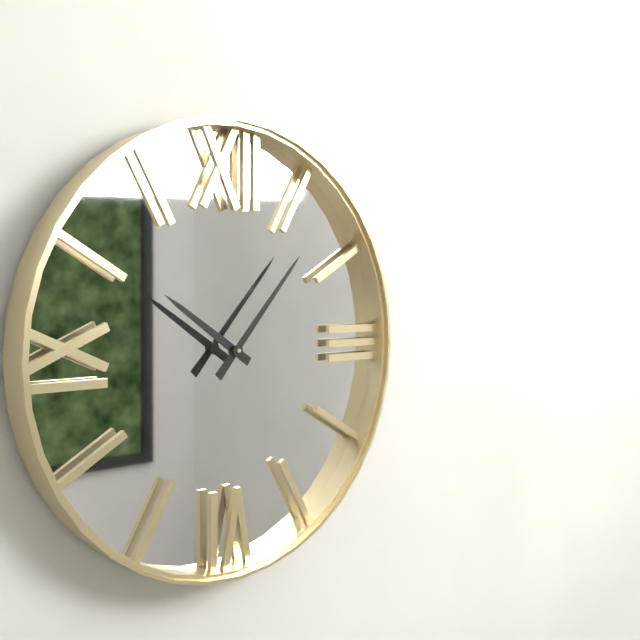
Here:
10,07
